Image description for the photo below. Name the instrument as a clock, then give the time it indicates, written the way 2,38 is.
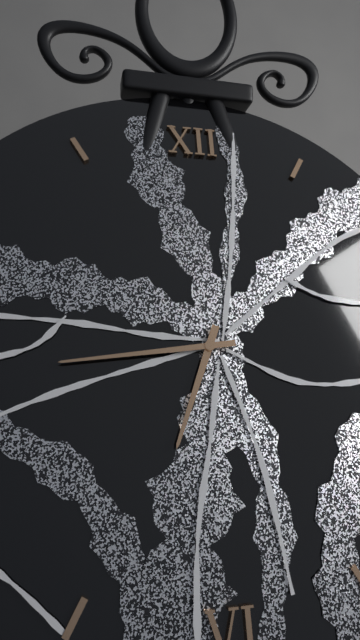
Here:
6,44
